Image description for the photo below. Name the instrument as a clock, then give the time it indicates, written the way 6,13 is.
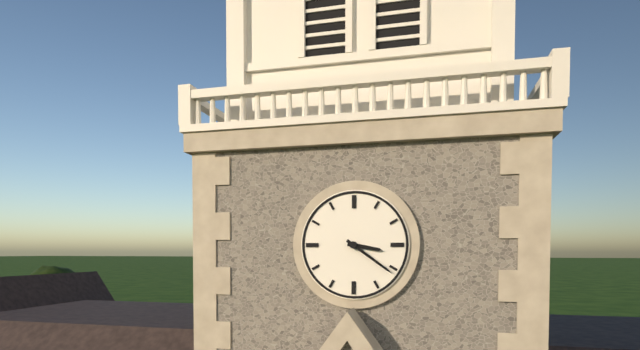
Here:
3,21
